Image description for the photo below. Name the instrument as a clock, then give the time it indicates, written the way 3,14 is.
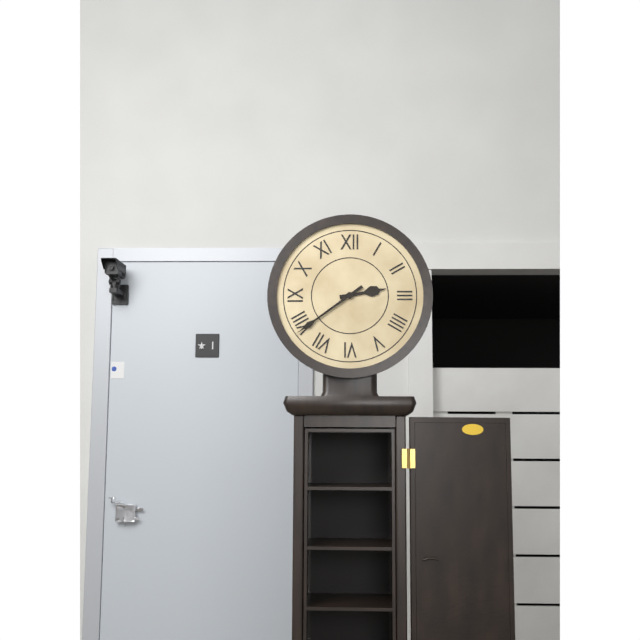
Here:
2,39
